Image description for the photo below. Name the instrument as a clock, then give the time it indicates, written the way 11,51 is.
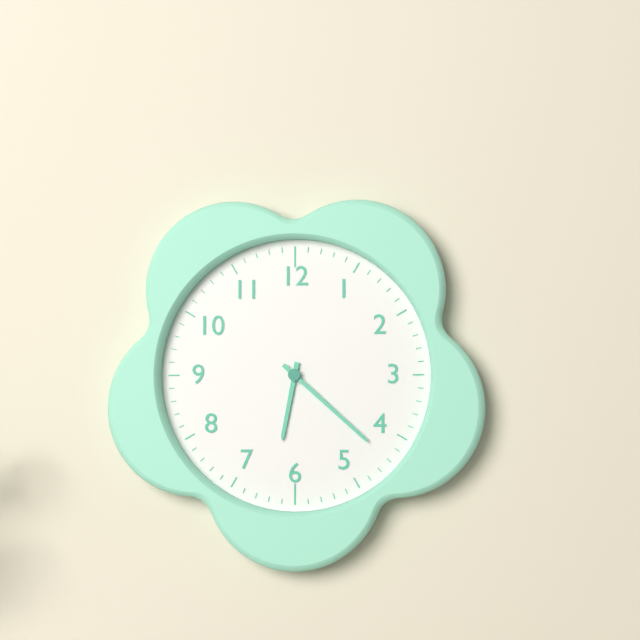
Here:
6,22
